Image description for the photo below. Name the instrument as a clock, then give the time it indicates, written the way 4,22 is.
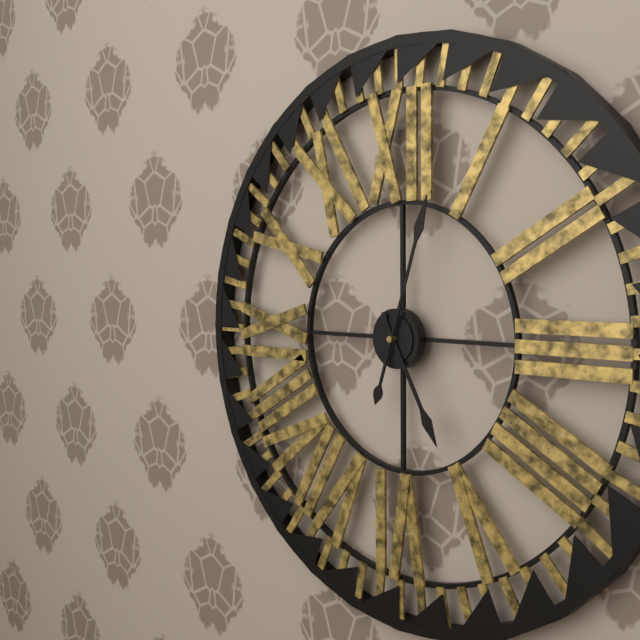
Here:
5,03
